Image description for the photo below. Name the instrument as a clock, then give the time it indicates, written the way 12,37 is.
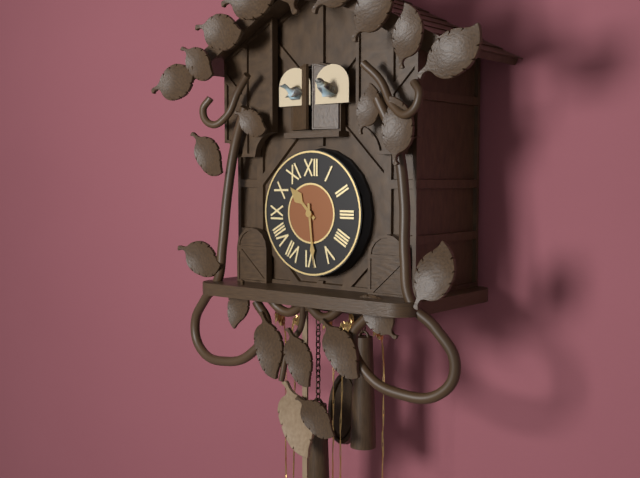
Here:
10,29
